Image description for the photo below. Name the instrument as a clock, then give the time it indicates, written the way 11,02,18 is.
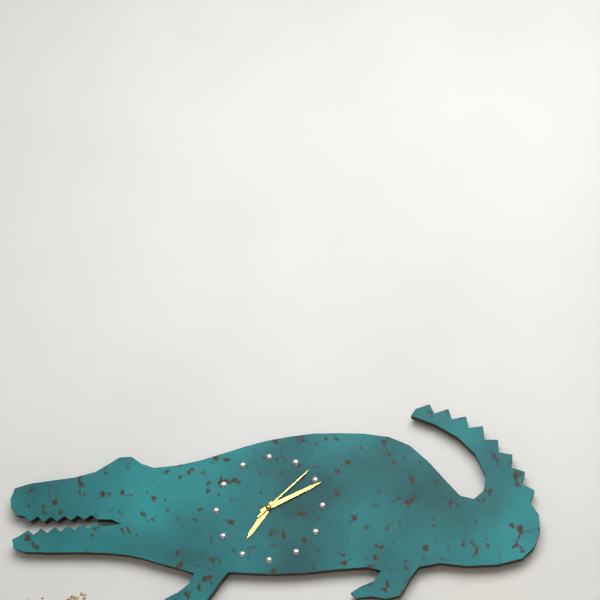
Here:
7,11,08
